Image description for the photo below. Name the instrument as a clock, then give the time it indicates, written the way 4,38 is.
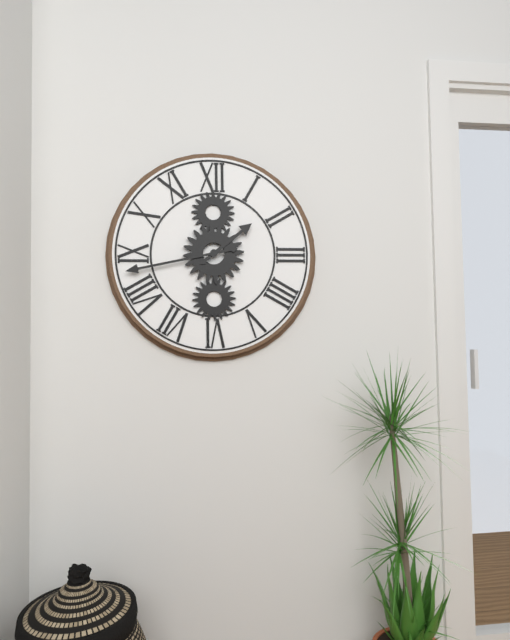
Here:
1,43
